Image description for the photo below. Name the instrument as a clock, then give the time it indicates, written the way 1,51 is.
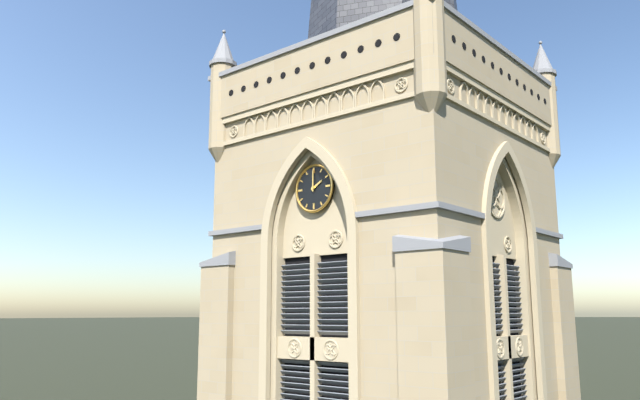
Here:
2,00
